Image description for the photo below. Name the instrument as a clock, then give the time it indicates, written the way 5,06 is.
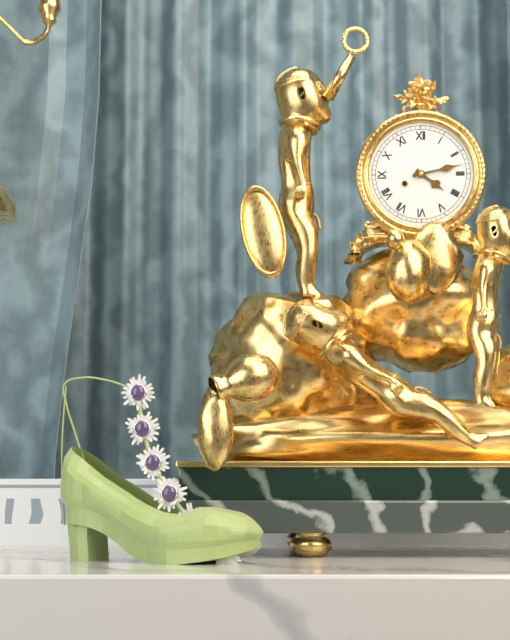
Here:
4,13
